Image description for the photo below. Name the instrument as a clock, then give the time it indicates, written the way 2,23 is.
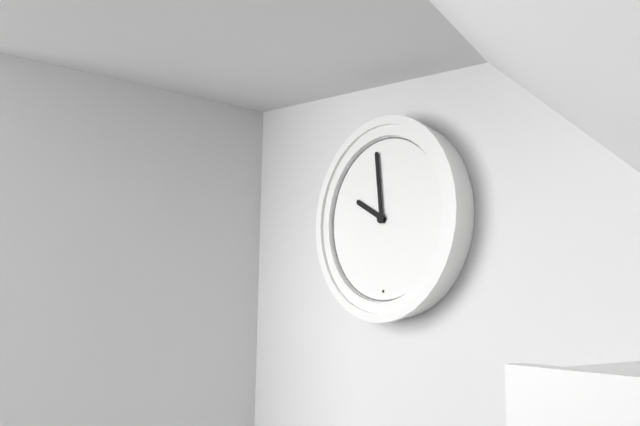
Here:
9,59
